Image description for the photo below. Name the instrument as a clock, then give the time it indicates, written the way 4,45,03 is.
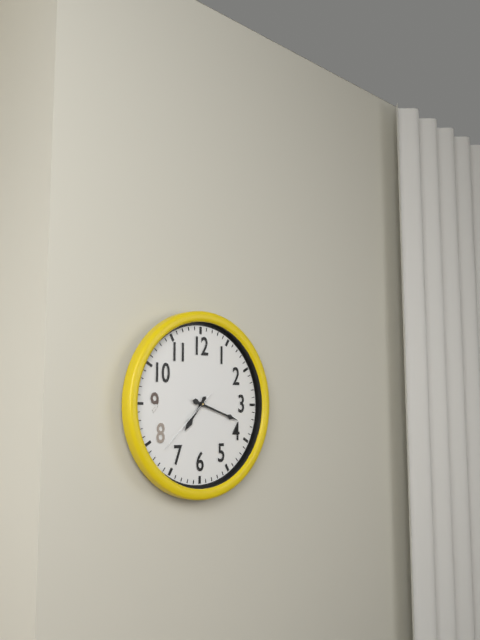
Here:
7,18,38
